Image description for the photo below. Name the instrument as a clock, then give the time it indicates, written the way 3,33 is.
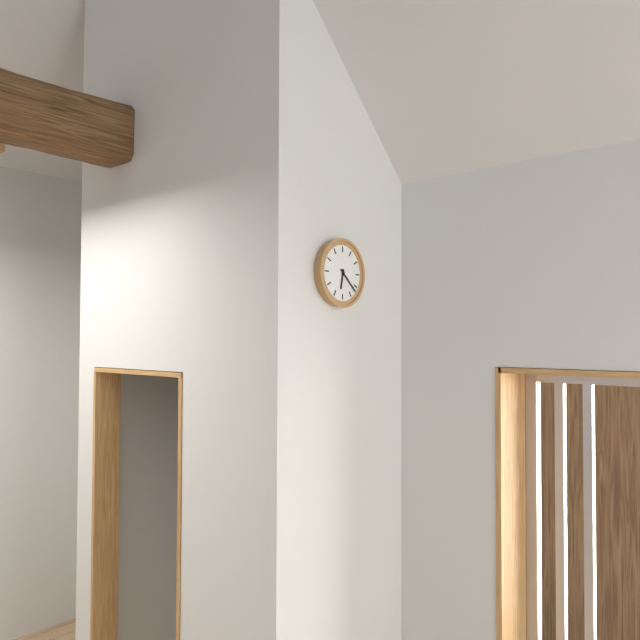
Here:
6,22
